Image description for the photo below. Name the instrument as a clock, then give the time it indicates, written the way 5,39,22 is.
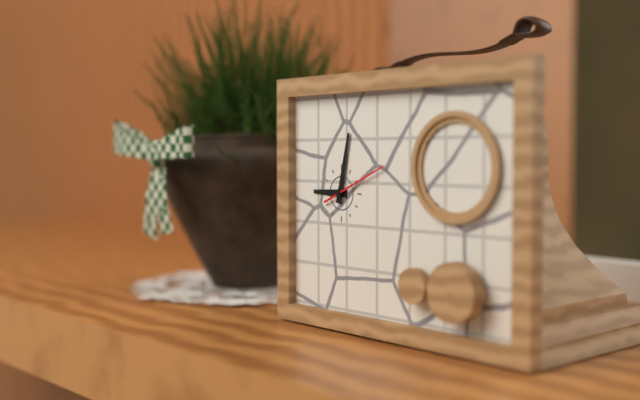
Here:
9,02,11
